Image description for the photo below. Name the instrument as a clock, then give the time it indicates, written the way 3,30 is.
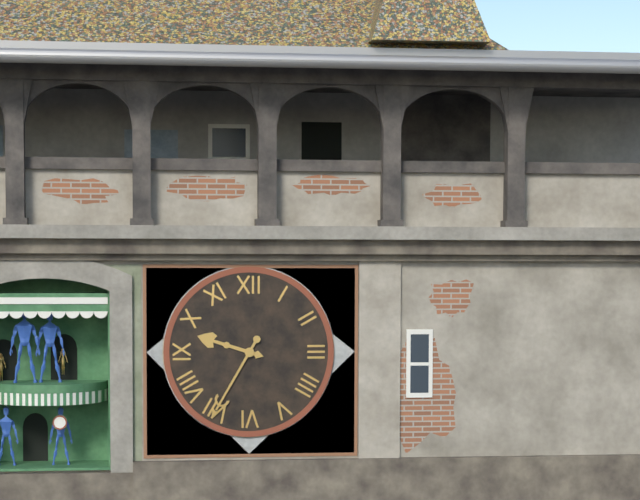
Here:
9,35
